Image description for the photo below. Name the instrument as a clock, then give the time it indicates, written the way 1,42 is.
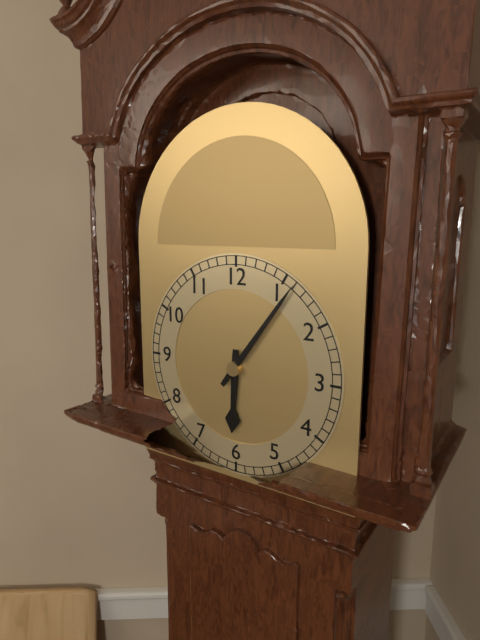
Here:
6,06
